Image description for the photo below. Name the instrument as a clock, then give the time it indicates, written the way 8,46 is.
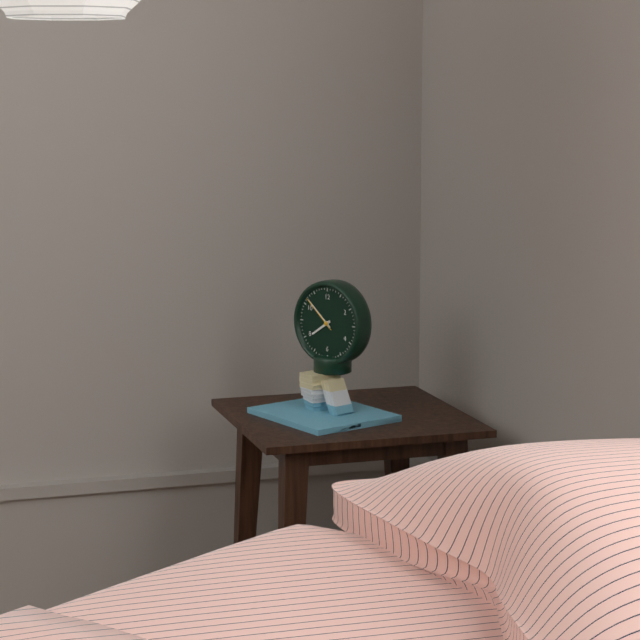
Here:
7,52
